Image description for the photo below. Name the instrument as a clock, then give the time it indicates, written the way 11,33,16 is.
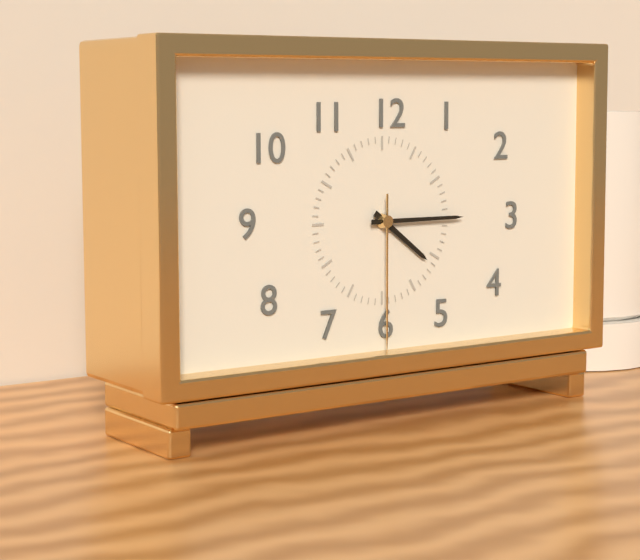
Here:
4,15,30
